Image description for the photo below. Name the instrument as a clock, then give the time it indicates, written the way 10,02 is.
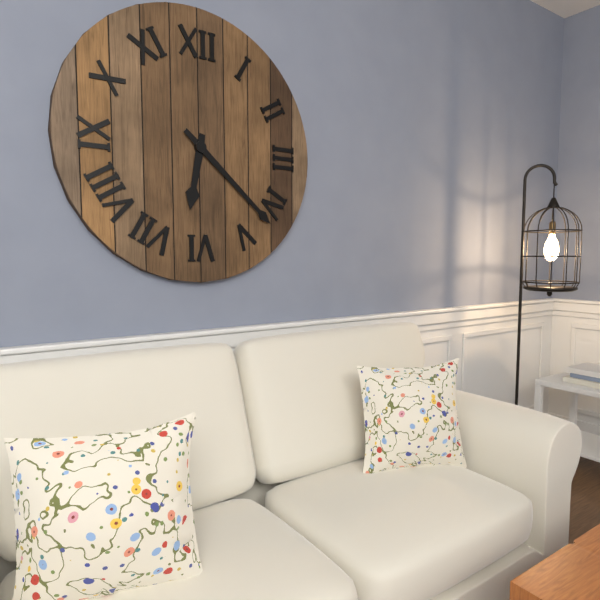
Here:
6,22
